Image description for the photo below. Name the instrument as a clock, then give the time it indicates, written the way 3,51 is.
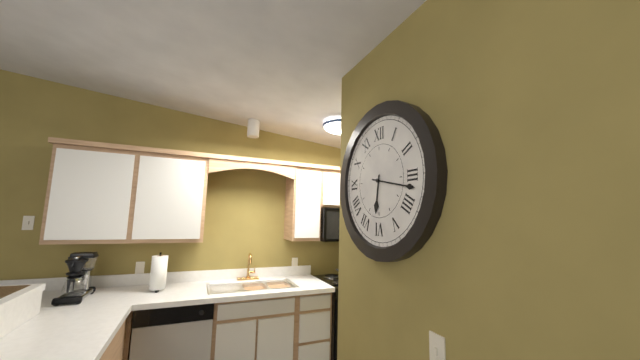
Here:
6,17
